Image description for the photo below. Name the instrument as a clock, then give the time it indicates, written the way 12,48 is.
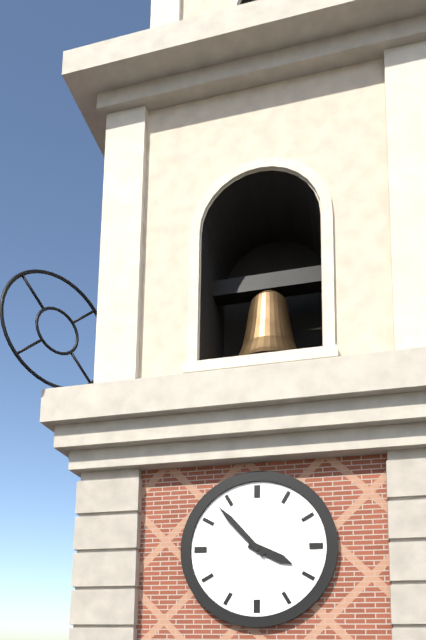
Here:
3,53
